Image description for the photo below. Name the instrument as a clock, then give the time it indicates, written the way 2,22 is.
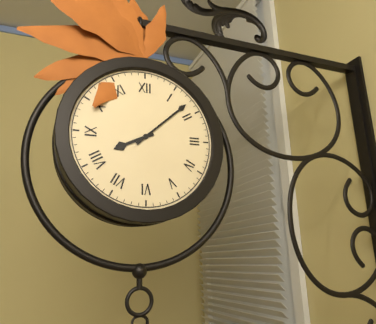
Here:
8,08
